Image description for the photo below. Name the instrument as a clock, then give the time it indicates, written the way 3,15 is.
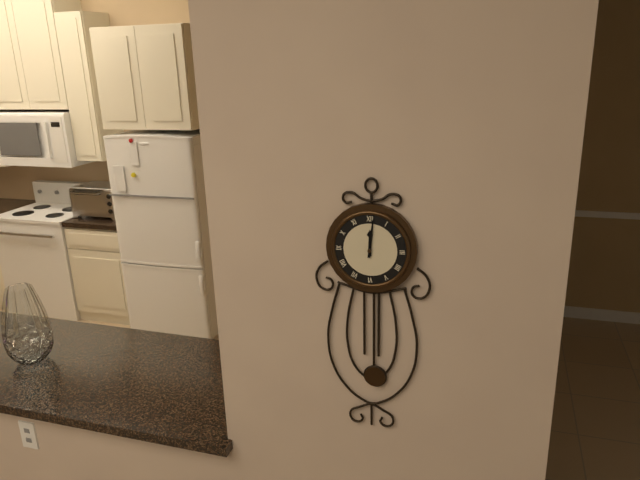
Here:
12,01
